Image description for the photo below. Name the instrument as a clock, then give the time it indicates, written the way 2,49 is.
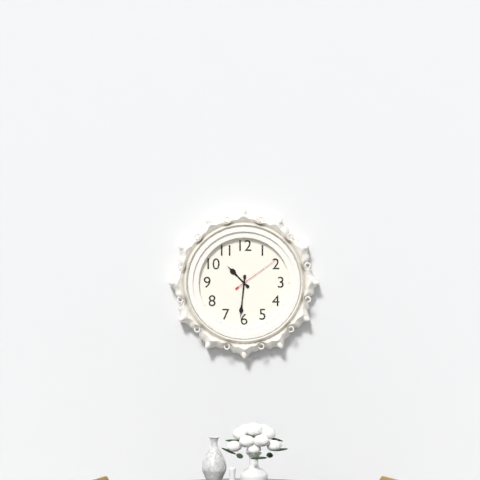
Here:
10,31
